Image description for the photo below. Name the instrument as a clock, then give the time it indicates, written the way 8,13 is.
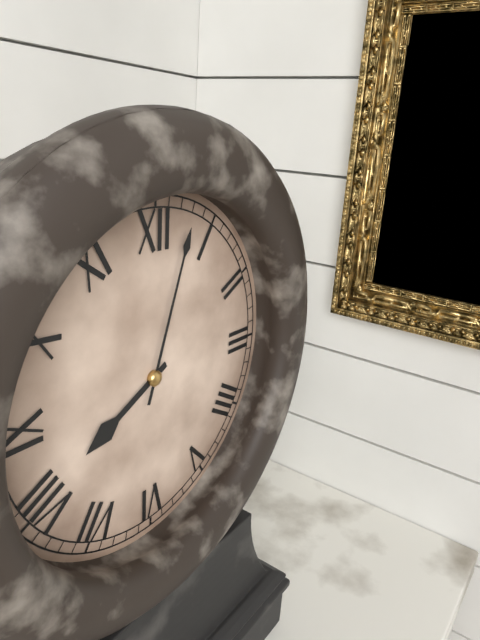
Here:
8,03
